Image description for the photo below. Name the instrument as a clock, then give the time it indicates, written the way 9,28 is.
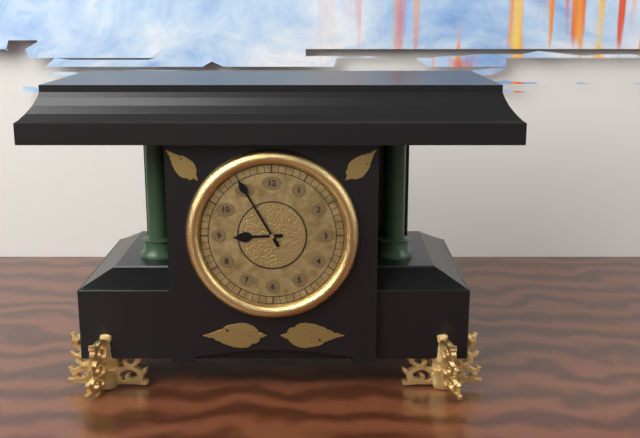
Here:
8,55
